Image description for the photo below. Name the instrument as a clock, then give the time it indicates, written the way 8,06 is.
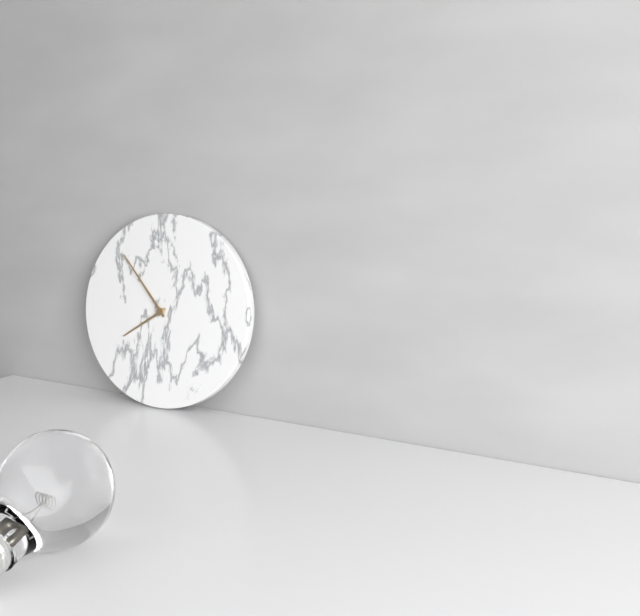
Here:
7,53
